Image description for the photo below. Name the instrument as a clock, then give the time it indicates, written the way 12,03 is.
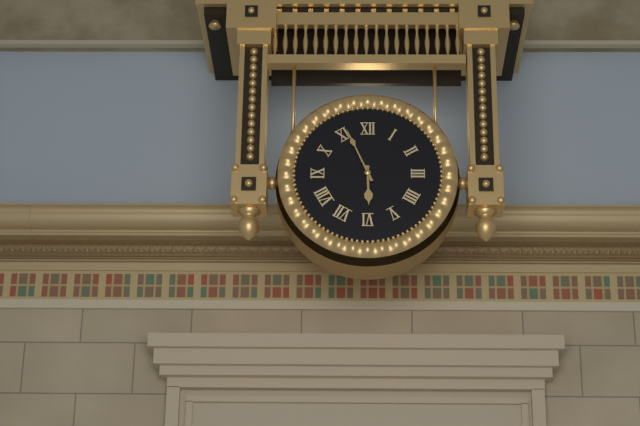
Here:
5,56
